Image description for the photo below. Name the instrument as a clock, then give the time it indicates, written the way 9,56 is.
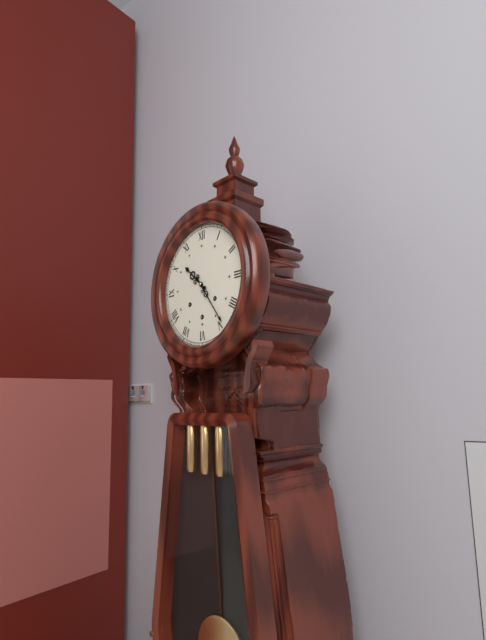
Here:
10,24
